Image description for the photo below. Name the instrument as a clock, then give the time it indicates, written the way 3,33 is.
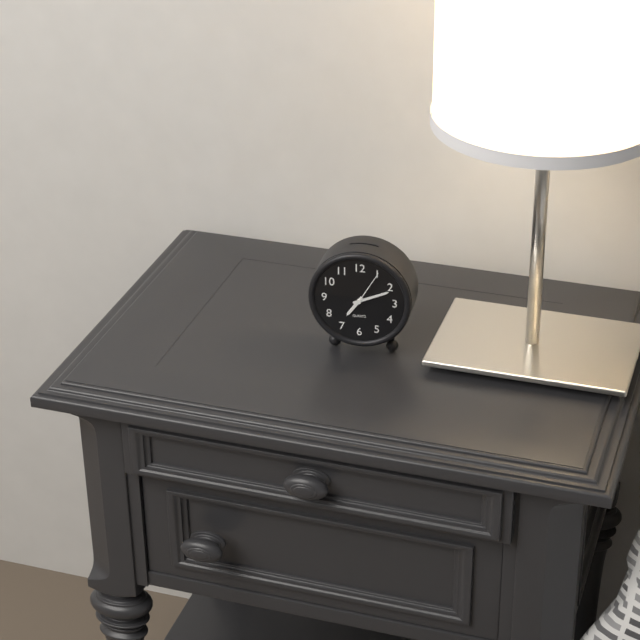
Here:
7,11
